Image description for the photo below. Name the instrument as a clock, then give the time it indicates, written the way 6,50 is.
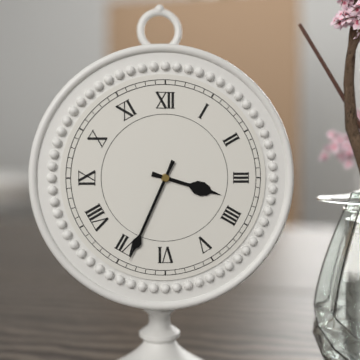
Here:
3,34
